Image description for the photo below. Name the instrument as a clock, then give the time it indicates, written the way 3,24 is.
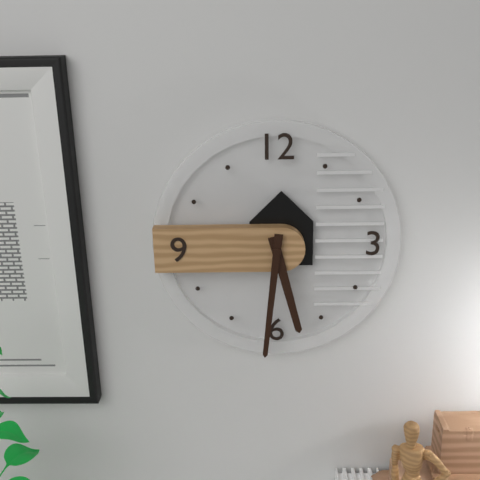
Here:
5,31
